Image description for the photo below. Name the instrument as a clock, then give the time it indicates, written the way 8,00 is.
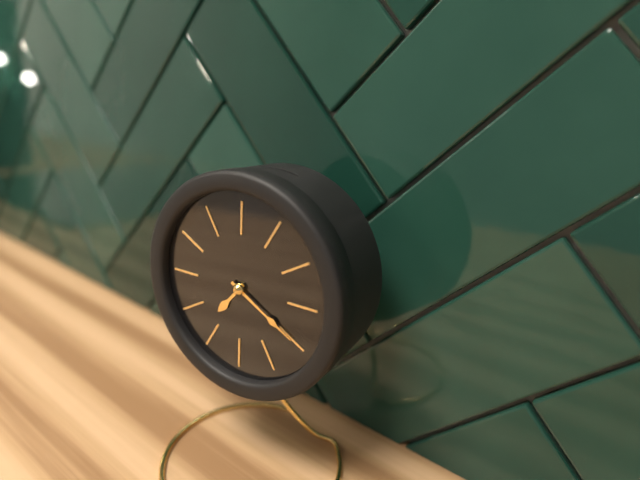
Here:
7,20
